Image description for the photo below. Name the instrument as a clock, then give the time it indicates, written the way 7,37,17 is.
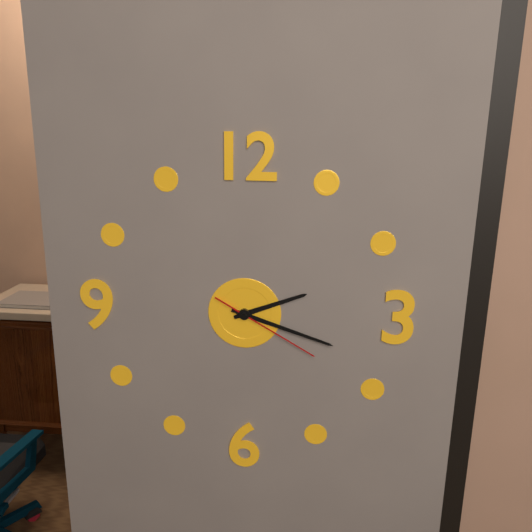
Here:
2,18,20
